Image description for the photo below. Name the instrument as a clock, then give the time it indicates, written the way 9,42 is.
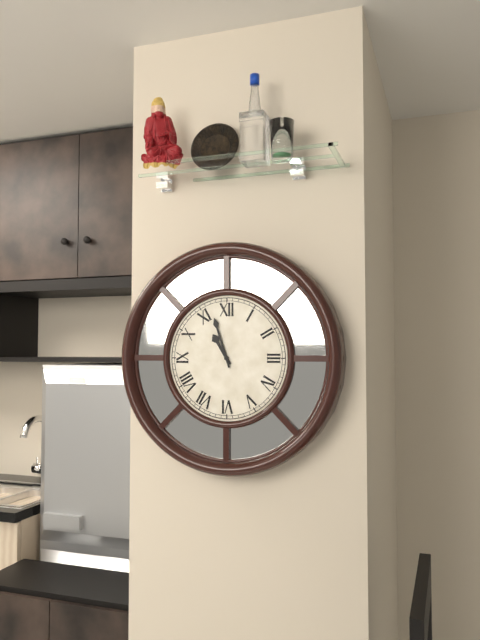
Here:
10,57
